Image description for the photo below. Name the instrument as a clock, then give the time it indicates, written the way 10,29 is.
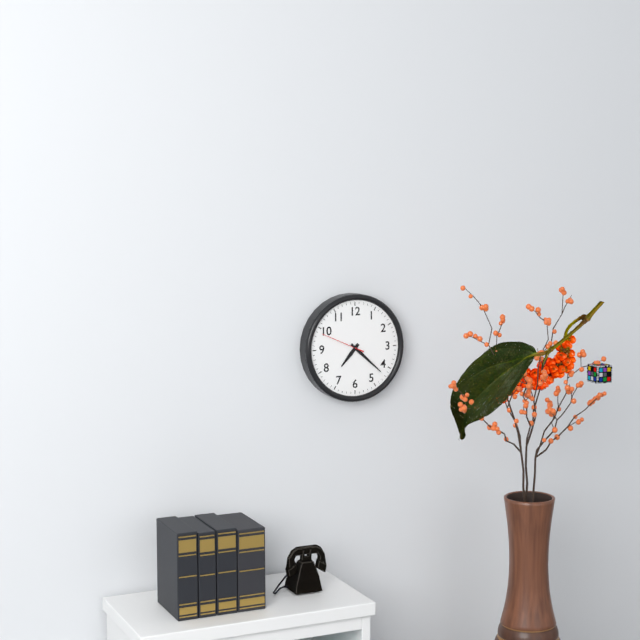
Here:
7,22
